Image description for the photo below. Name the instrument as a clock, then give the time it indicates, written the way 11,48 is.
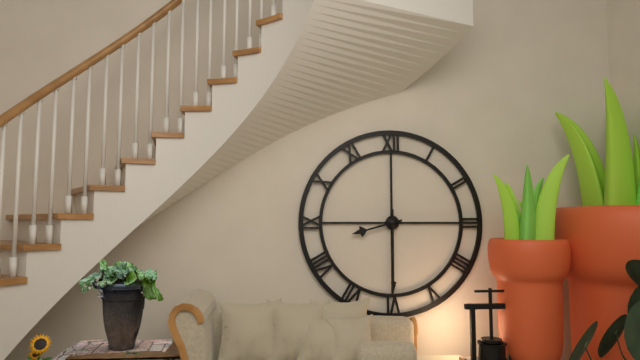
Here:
8,30
